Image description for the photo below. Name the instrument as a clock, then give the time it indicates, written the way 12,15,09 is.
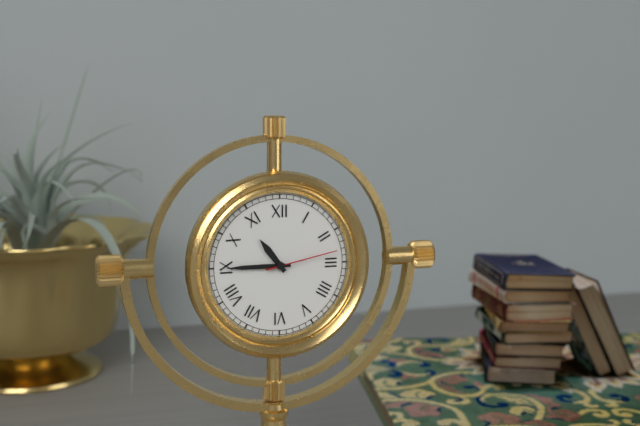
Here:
10,45,13
